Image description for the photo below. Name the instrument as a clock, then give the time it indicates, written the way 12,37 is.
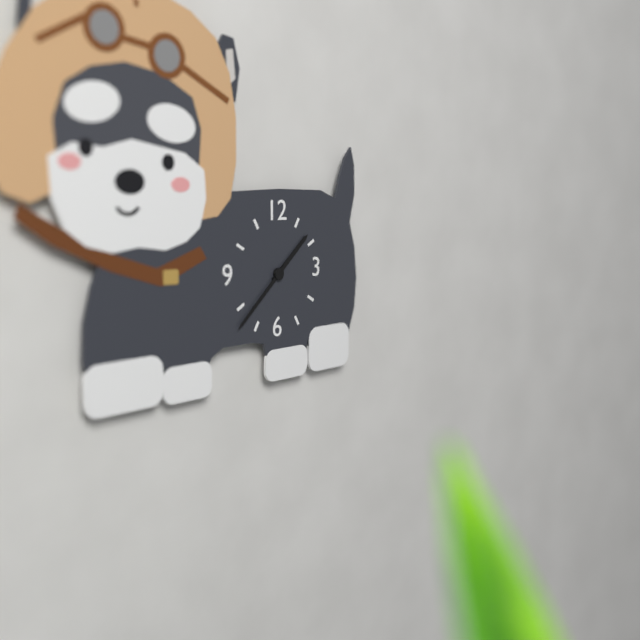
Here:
1,38
